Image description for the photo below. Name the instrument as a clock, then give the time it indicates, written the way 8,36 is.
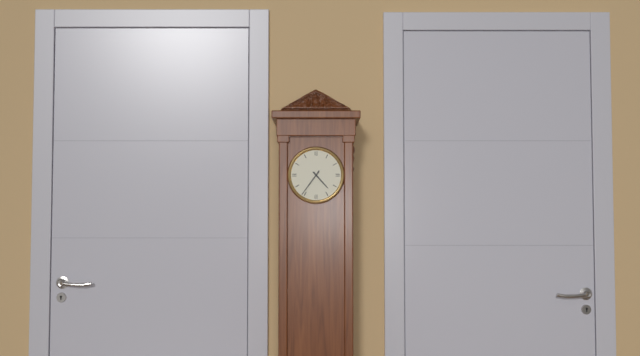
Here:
4,36
